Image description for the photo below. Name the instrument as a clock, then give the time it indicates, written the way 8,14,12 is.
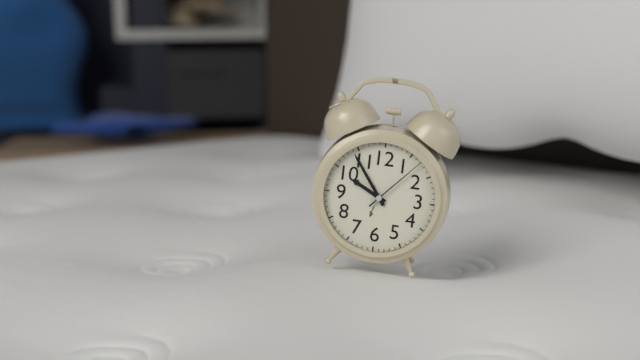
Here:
9,54,07
